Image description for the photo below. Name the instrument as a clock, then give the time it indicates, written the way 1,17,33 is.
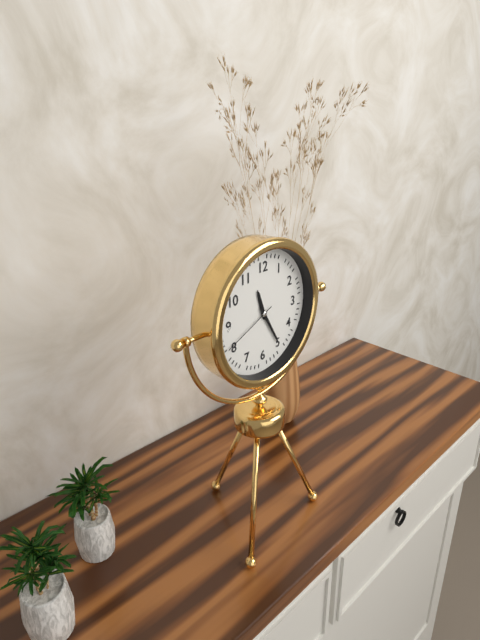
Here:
11,25,41
